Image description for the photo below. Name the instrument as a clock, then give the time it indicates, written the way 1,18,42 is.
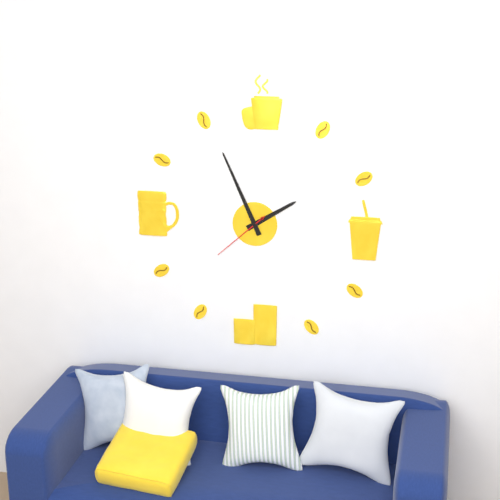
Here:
1,56,38
